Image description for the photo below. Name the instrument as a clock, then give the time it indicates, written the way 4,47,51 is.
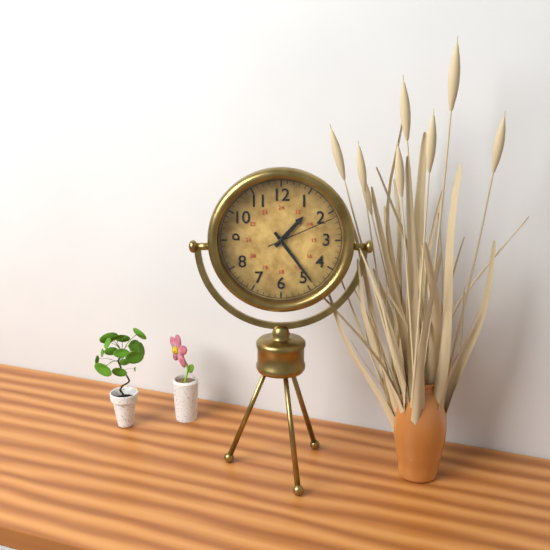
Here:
1,24,11
